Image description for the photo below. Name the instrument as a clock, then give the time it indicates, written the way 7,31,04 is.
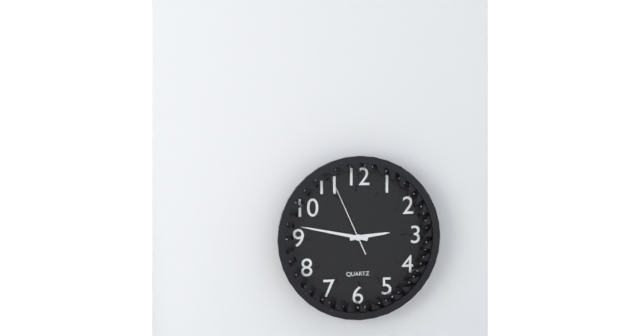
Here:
2,47,56
